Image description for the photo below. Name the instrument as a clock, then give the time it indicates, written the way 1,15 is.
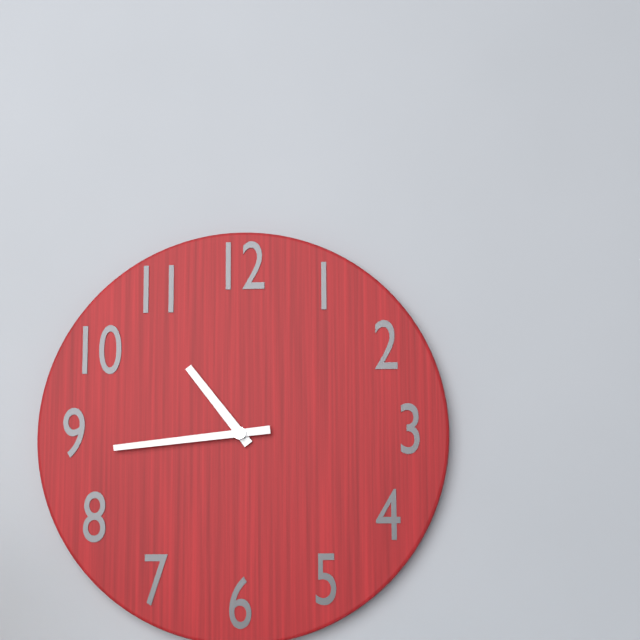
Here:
10,44
